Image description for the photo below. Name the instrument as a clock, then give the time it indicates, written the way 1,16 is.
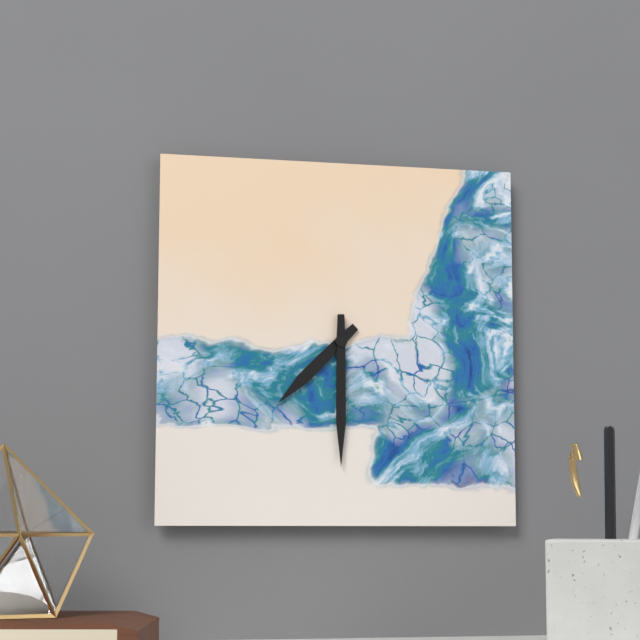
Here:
7,30
